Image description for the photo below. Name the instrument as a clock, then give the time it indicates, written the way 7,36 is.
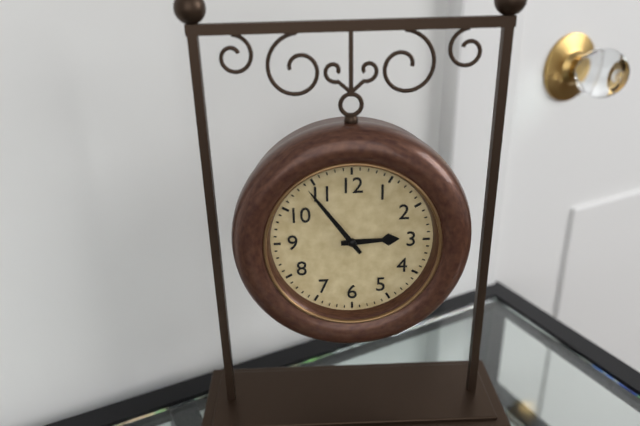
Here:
2,54
